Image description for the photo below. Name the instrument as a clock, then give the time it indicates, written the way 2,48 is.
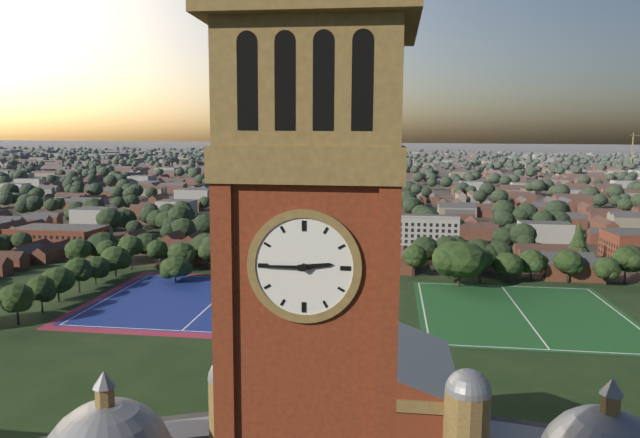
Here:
2,45
